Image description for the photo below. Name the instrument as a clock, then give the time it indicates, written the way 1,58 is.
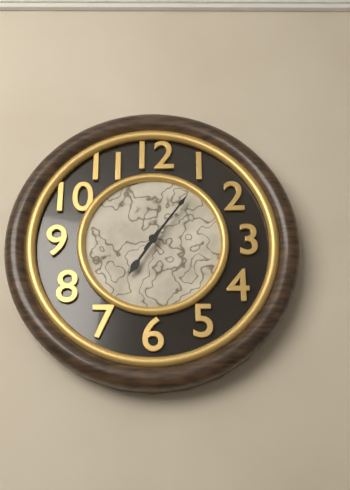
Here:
7,06
